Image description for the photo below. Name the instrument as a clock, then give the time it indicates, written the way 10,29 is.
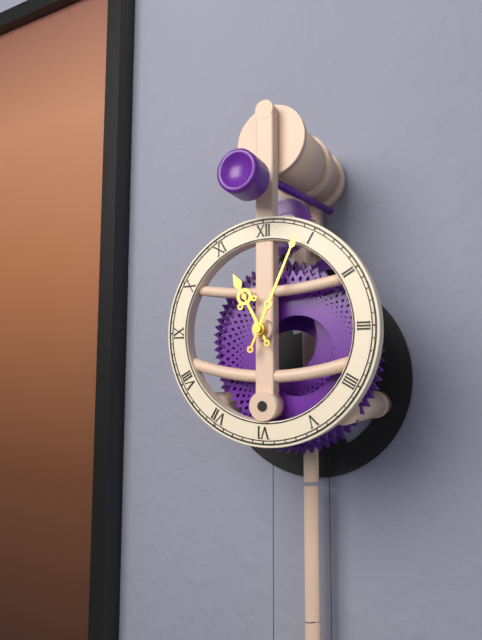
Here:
11,04
